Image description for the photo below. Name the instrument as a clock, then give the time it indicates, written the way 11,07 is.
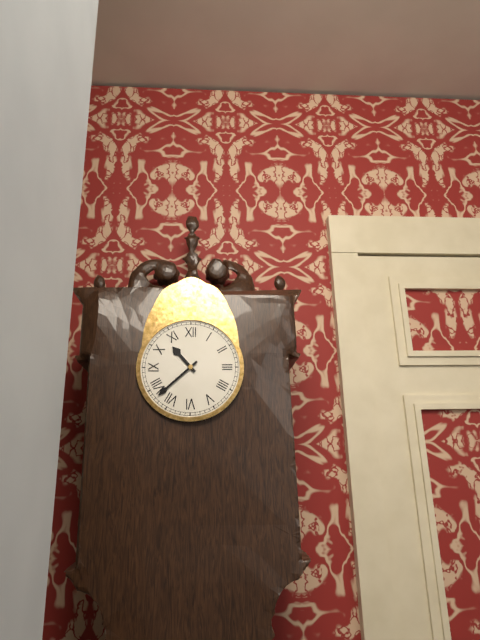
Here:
10,38
